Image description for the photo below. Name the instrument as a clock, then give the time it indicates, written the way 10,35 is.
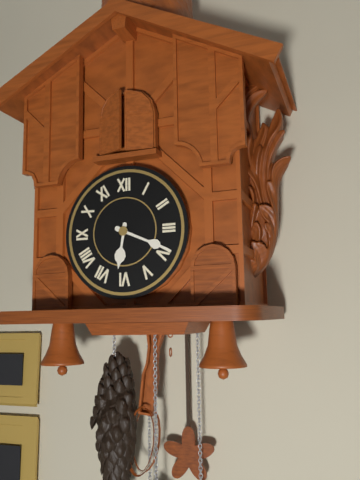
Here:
6,19
